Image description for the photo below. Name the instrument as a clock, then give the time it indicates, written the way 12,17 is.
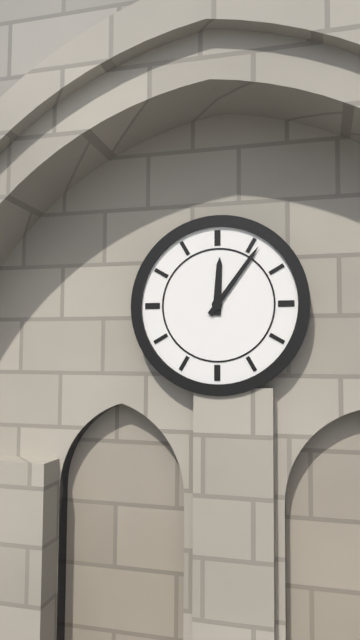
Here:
12,06
